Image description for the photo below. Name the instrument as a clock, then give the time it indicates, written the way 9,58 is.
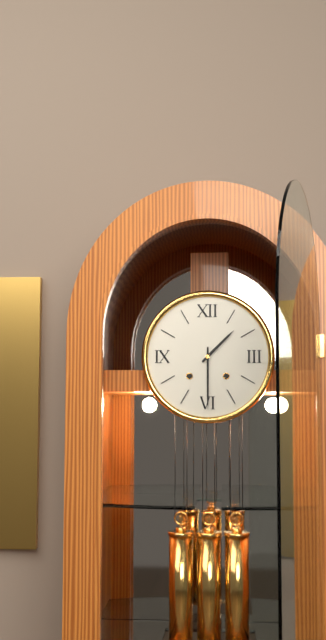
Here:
1,30
